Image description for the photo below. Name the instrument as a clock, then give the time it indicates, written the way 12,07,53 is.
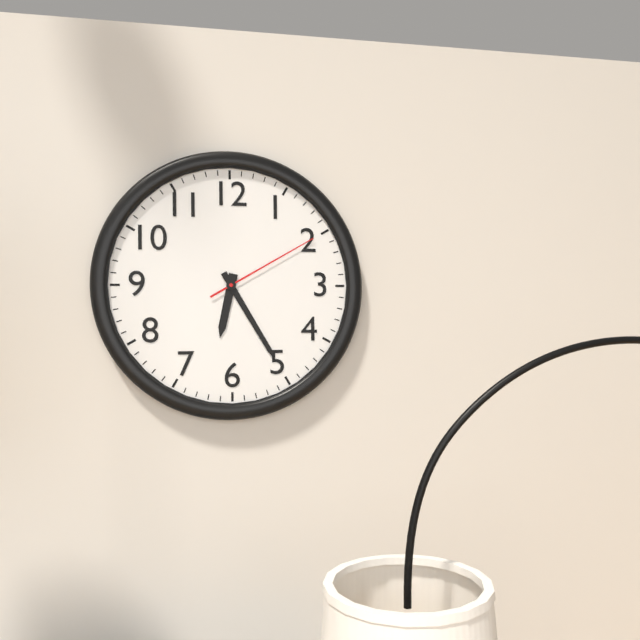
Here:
6,25,10
